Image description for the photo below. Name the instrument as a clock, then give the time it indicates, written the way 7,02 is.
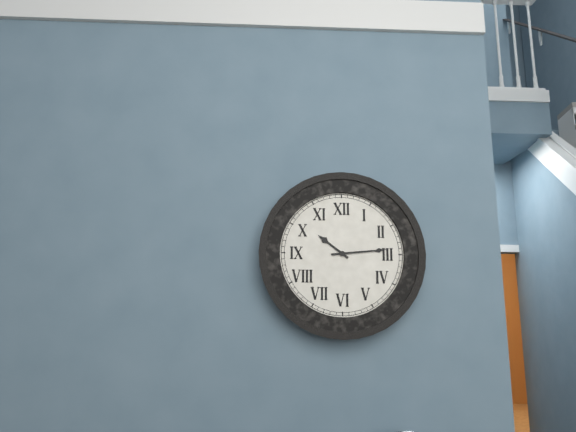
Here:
10,14
